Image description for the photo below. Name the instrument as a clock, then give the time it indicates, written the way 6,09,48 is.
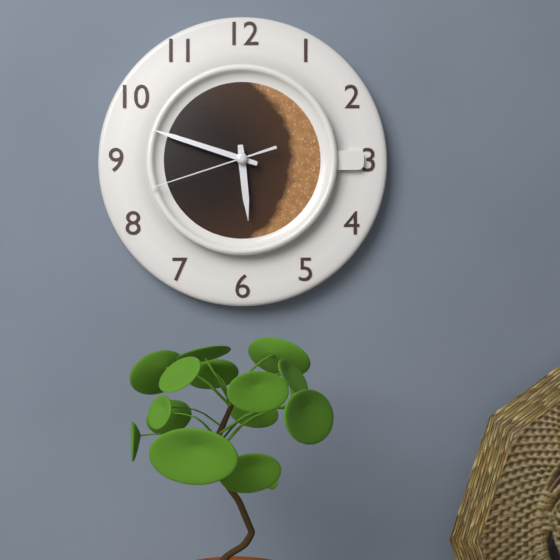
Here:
5,48,42
